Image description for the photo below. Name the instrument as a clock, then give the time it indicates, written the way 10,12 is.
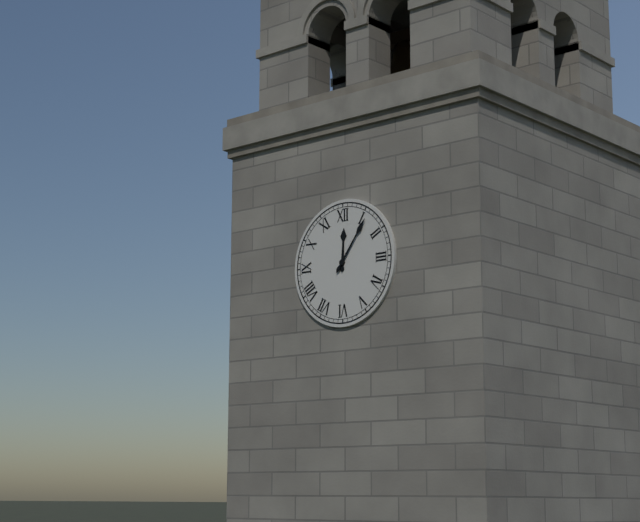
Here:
12,06
